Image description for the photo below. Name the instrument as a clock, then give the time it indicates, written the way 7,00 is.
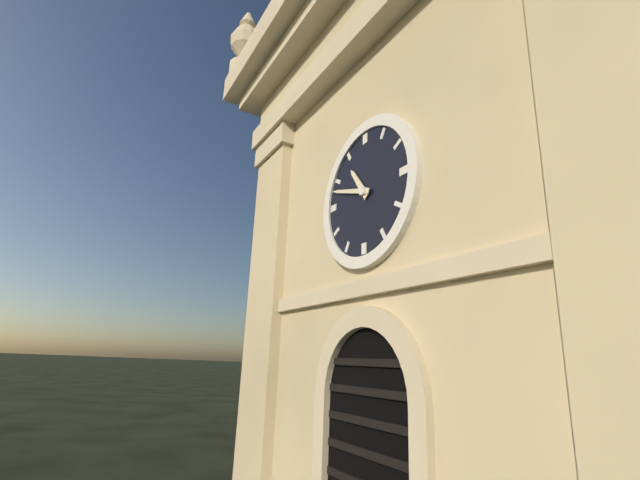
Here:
10,48
